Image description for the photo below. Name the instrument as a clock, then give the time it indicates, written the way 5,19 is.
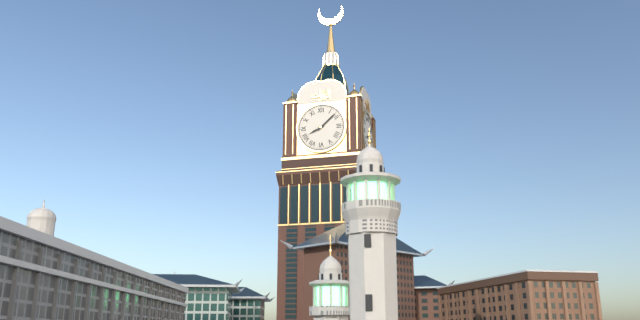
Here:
8,08
